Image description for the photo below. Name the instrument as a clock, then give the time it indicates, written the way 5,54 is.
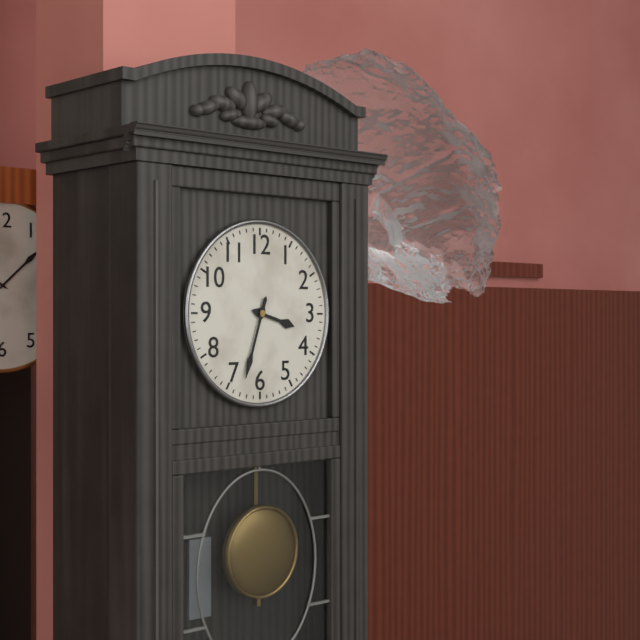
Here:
3,33
